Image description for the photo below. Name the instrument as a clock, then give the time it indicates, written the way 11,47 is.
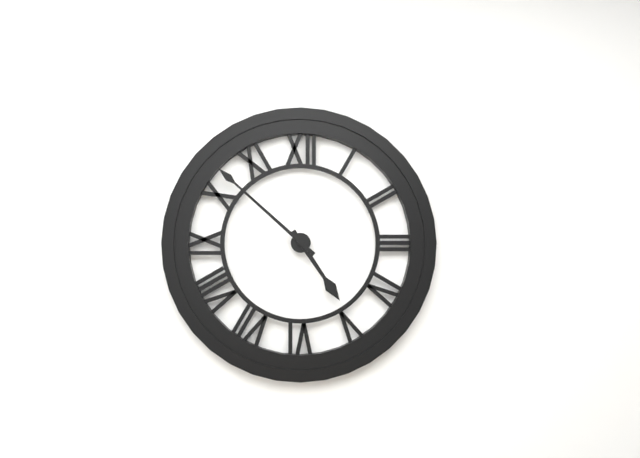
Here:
4,52
